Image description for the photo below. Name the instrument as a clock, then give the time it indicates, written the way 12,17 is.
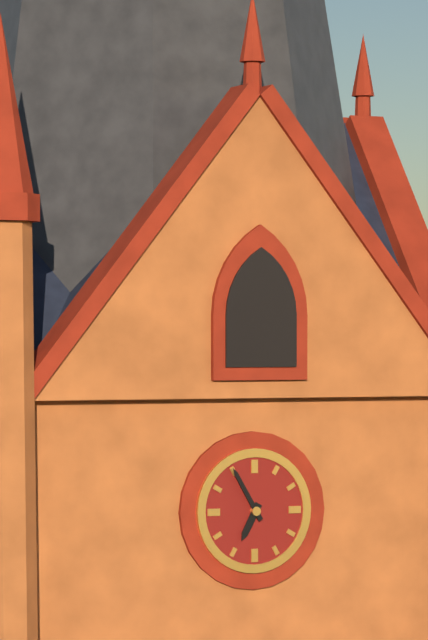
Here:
6,55
